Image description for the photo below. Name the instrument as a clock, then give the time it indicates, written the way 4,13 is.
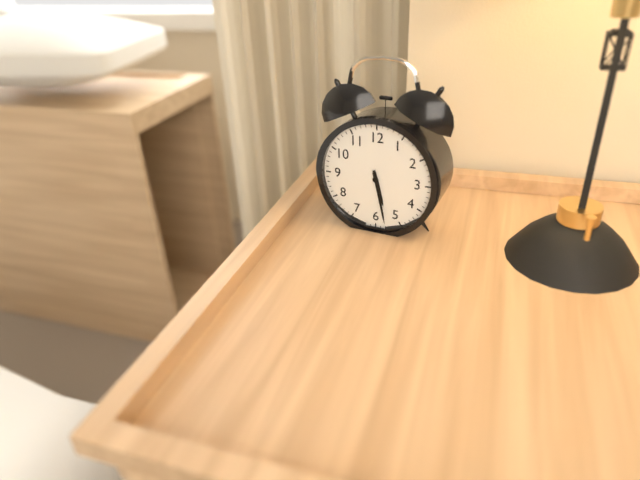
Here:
5,28
